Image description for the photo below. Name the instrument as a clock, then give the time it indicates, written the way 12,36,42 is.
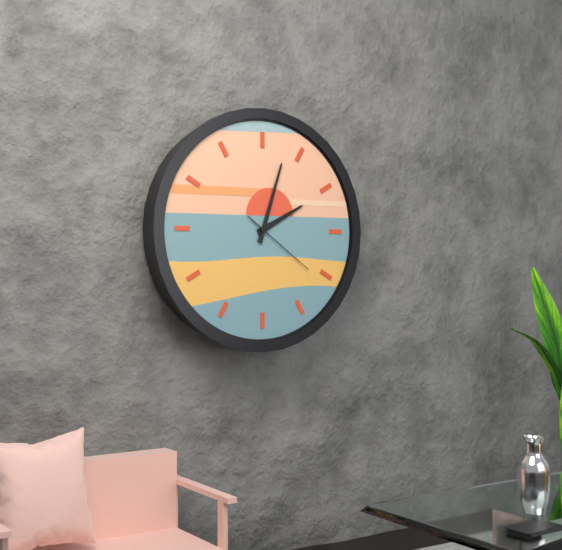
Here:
2,03,21
